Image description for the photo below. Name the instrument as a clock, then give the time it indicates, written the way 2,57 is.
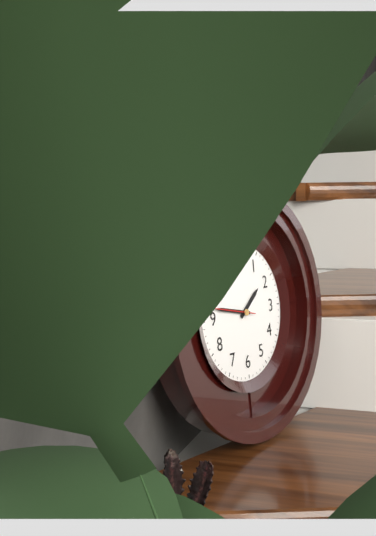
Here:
1,47
